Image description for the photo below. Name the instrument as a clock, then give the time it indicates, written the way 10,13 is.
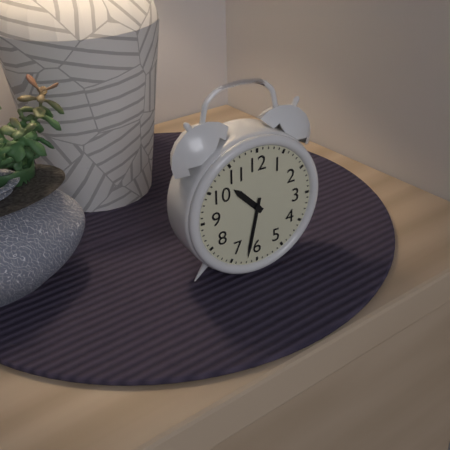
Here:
10,32
